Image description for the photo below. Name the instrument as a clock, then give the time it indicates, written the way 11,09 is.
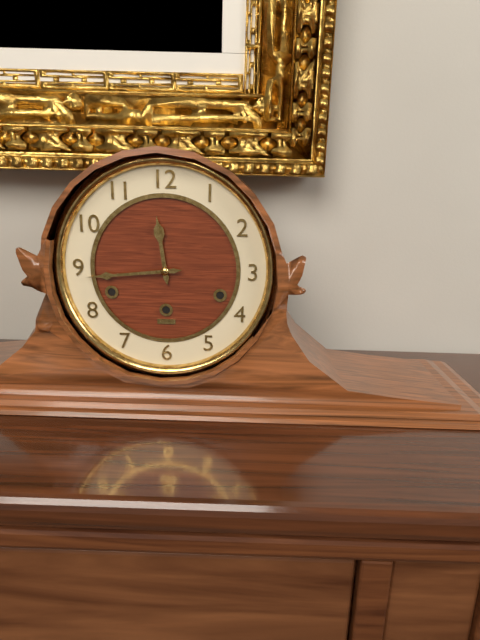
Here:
11,44
